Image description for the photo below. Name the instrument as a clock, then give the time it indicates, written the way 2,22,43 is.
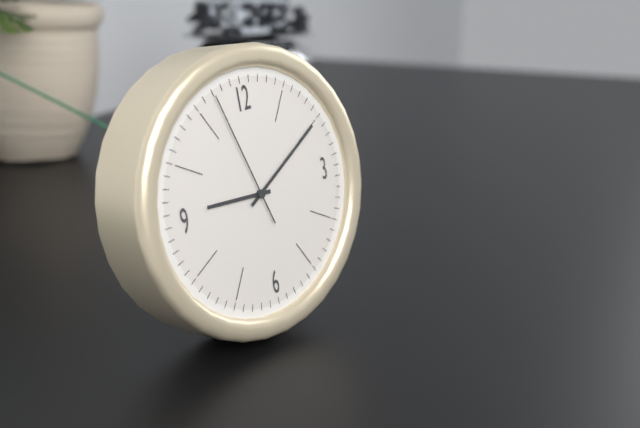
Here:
9,10,57
